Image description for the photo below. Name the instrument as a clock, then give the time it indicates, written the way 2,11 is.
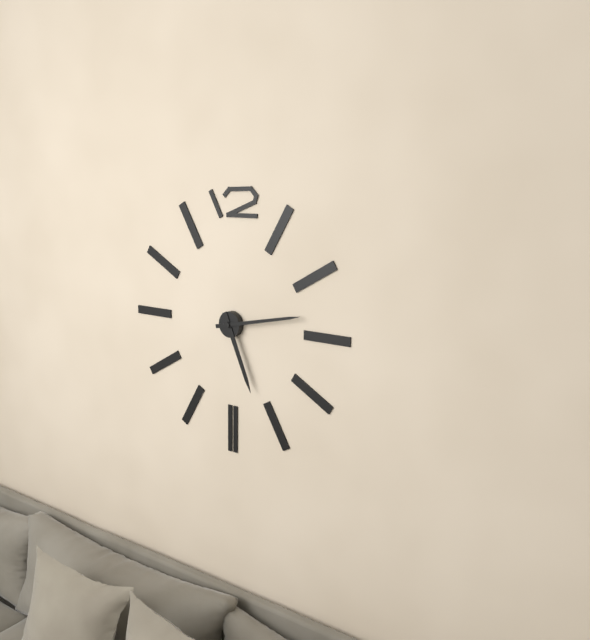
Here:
5,13
